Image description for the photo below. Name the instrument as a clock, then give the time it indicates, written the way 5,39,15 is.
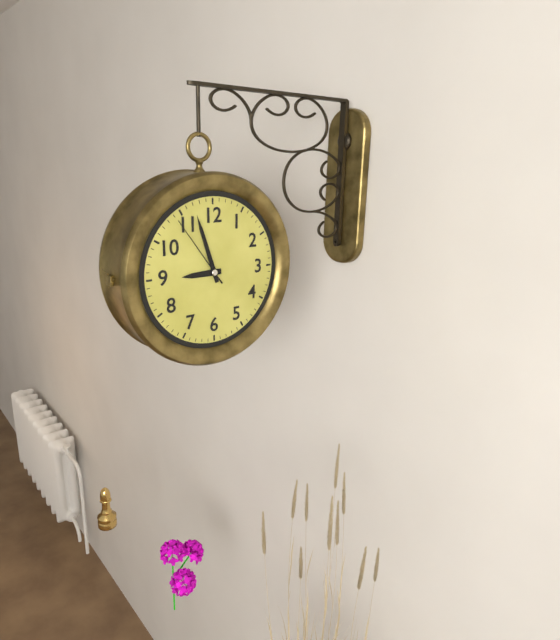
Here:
8,57,54
